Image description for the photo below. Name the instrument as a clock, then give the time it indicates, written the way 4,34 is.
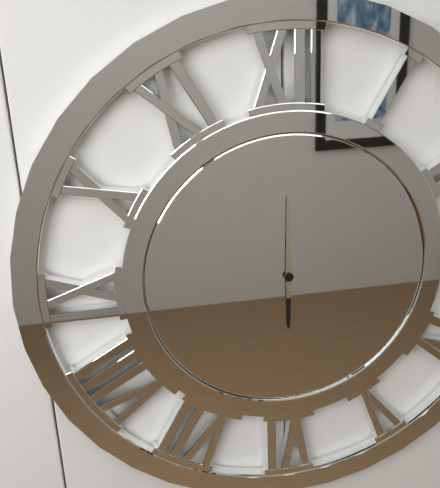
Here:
6,00
